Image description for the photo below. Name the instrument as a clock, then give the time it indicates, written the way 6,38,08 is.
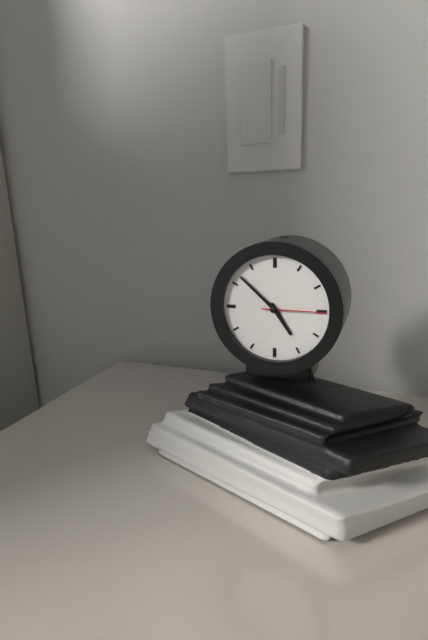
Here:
4,52,15
